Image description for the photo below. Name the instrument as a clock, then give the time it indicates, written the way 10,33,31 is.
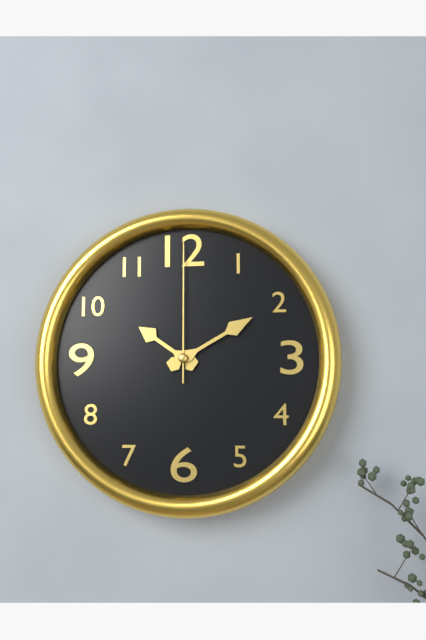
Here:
10,10,00
